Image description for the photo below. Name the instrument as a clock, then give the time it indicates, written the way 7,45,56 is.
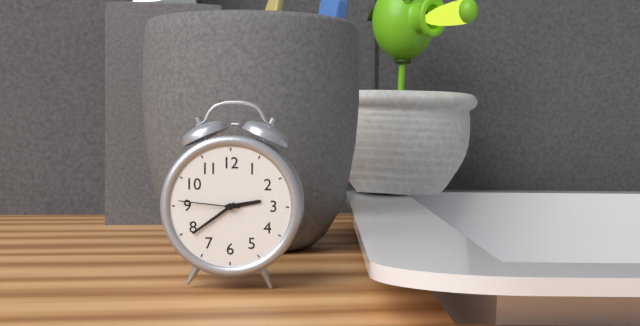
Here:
2,39,46
